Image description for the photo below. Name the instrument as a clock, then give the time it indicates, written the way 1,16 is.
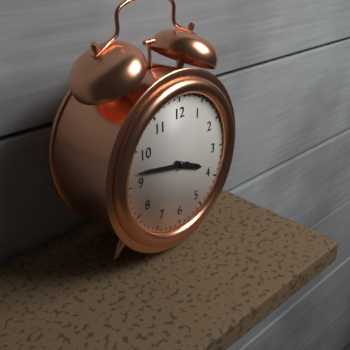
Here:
3,47
